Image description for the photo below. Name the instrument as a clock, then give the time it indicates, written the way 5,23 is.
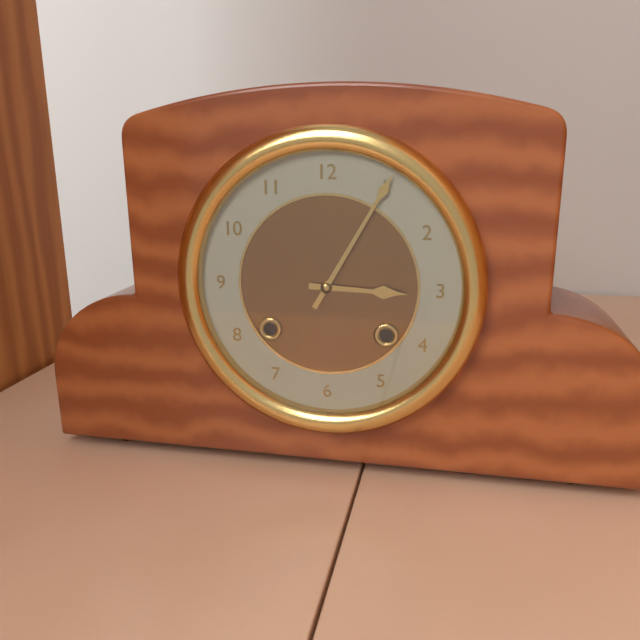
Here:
3,05
